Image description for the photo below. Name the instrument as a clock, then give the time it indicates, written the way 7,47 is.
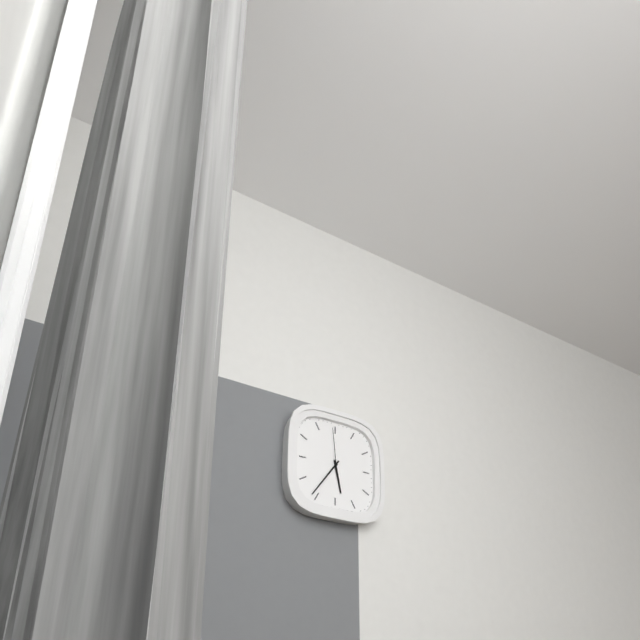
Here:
5,36
